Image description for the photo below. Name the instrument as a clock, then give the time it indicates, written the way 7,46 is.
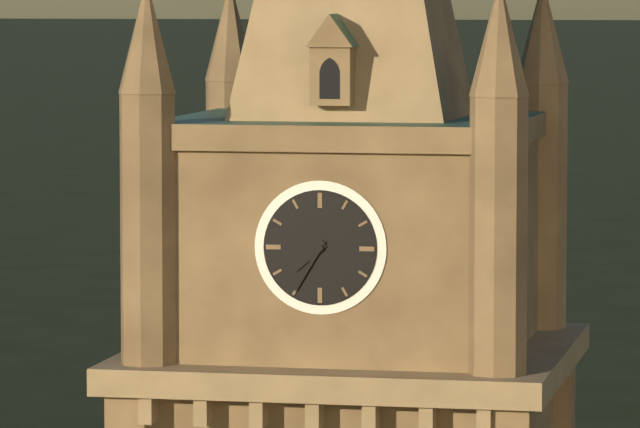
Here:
7,35
